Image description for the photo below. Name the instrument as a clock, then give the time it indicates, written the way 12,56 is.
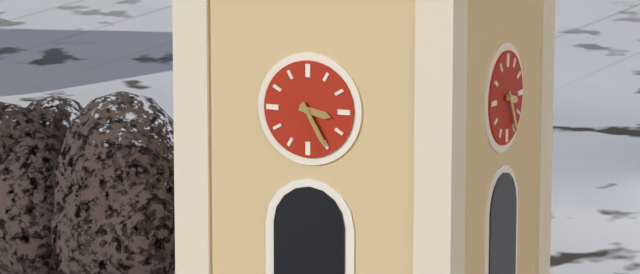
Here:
3,25
